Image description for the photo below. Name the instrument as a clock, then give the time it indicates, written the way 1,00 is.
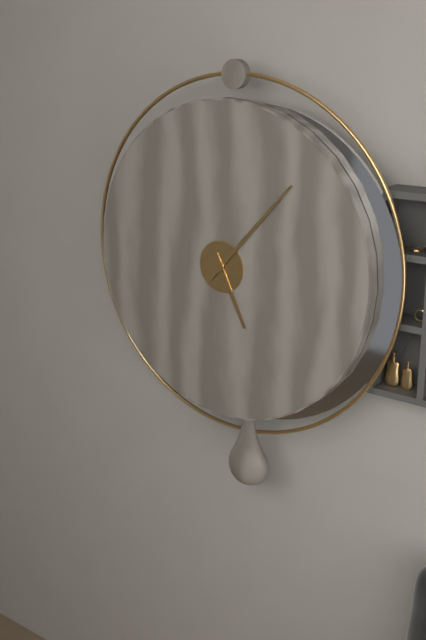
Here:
5,07
